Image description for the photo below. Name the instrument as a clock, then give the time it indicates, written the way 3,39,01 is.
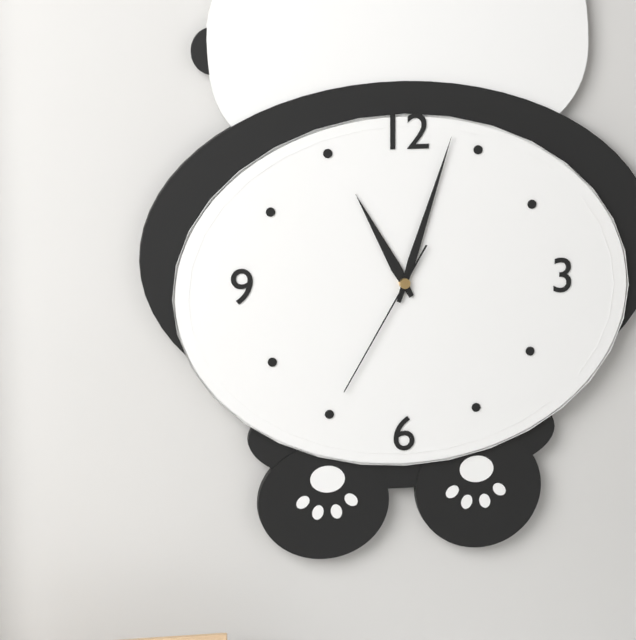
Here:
11,03,35
